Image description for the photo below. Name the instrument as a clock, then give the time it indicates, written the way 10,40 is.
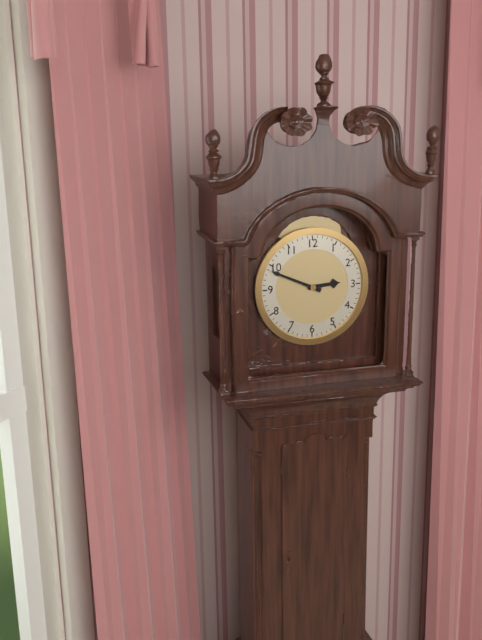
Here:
2,49
